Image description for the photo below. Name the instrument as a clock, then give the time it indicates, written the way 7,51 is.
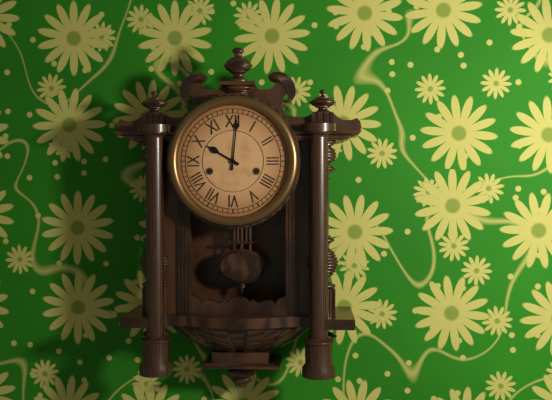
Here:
10,01
